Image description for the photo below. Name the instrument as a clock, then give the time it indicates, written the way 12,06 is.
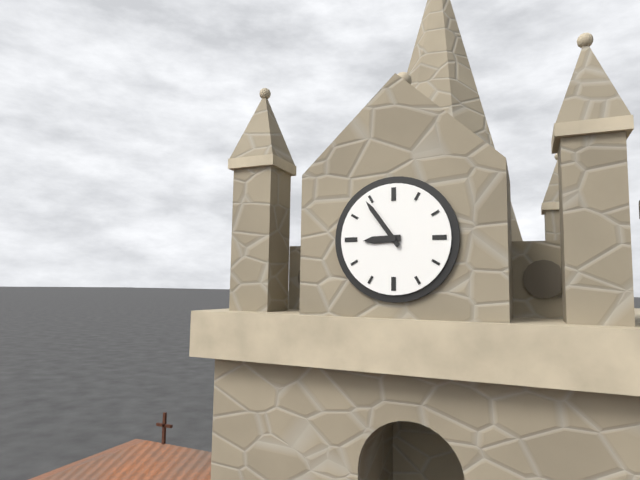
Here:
8,54
